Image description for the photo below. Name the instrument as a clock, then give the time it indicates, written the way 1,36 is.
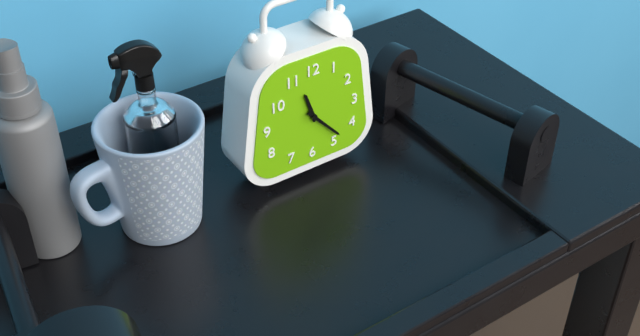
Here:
11,23
